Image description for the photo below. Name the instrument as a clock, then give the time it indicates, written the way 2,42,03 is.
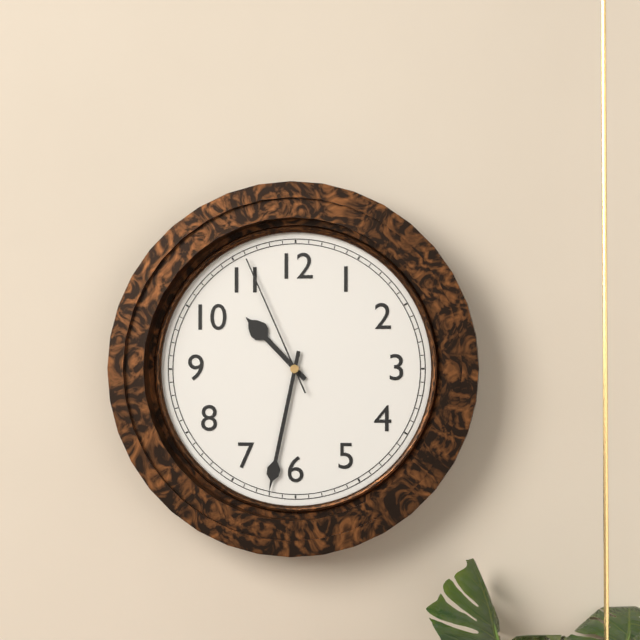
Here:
10,32,56
